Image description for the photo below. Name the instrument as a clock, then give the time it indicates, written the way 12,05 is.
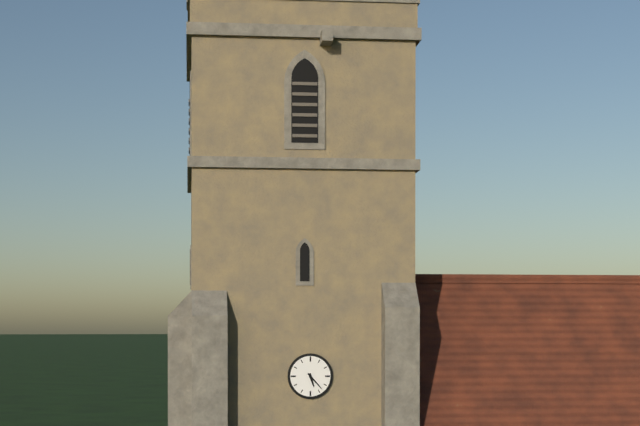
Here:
5,23
